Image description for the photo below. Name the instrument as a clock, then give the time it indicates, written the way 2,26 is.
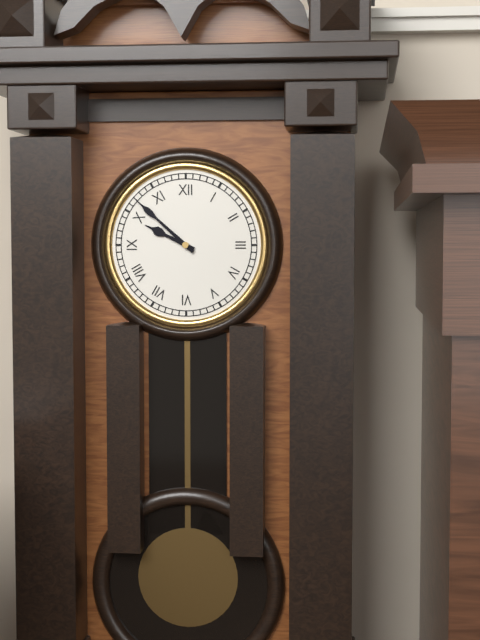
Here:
9,52
